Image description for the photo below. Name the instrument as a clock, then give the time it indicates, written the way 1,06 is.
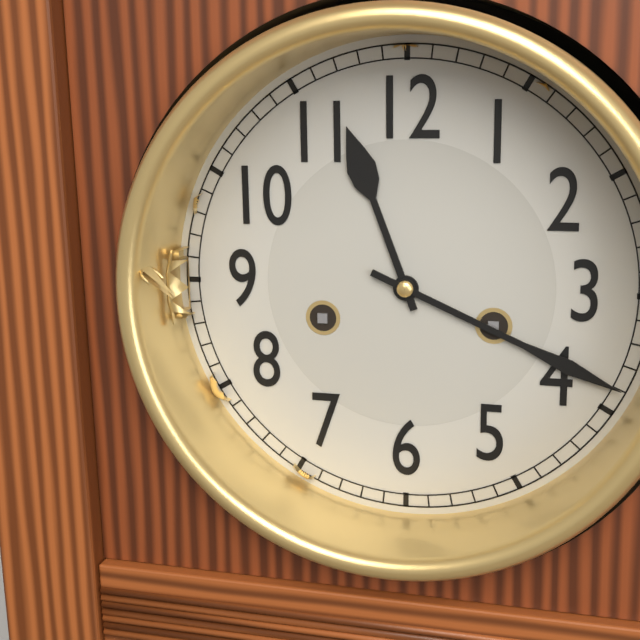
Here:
11,19
